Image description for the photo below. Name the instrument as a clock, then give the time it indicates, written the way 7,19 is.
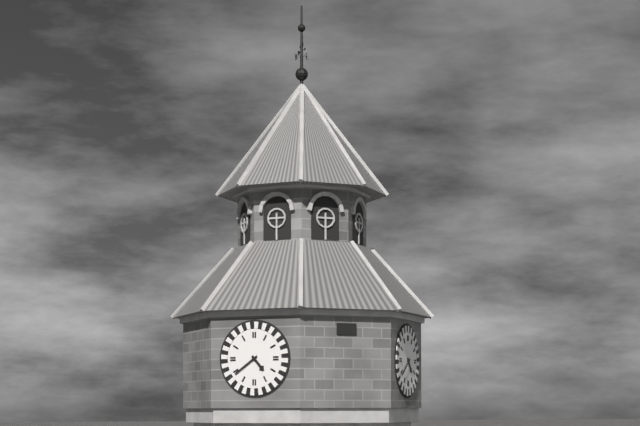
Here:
4,39
